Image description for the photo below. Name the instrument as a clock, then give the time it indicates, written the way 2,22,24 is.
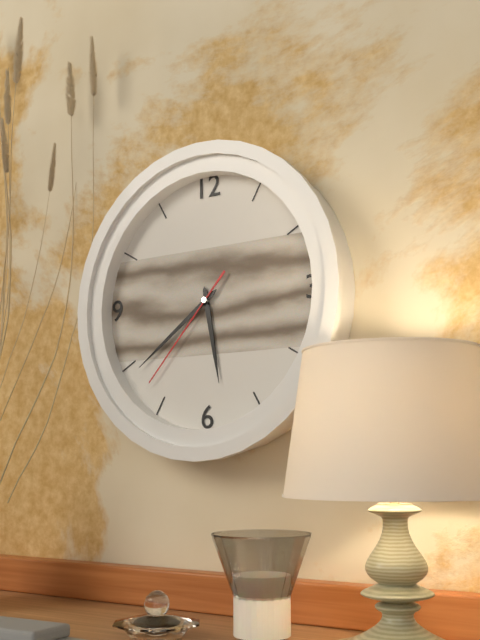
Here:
5,39,37
